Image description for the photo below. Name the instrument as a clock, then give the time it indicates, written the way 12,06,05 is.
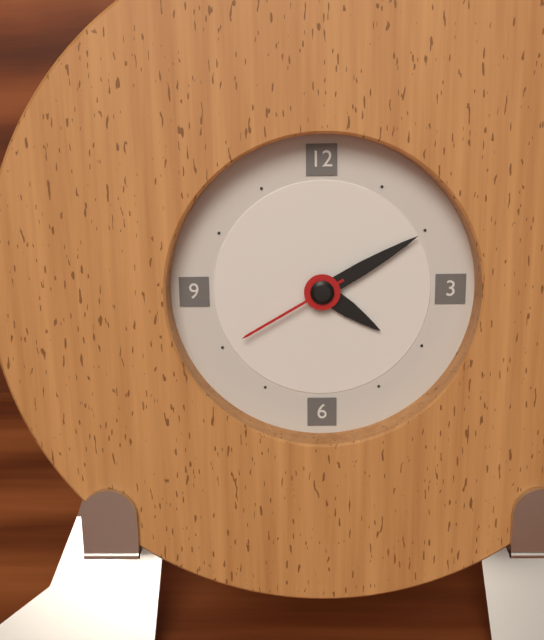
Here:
4,10,40
